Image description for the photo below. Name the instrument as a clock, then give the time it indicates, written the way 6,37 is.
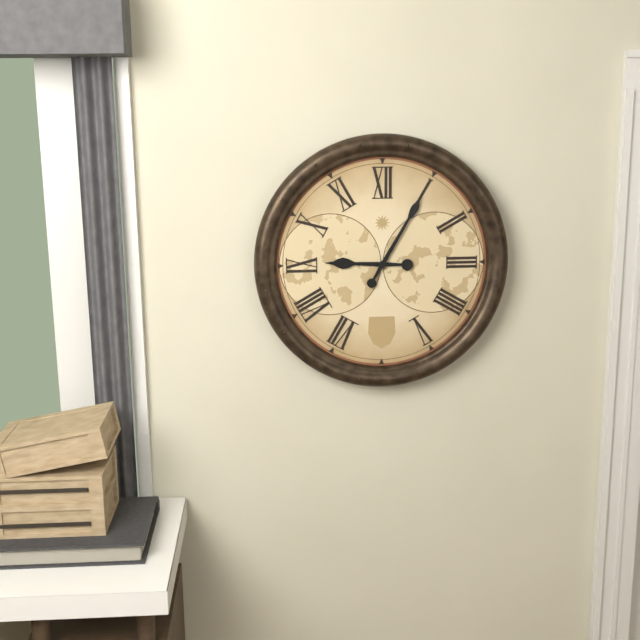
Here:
9,05
